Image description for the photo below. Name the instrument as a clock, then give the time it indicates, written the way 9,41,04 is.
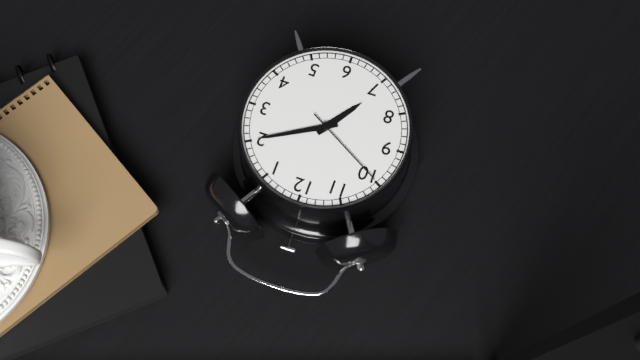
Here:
7,10,50
